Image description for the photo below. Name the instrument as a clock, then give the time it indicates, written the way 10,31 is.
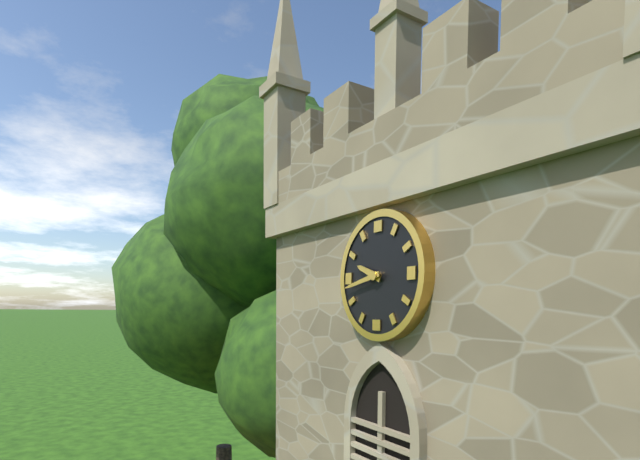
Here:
9,43
